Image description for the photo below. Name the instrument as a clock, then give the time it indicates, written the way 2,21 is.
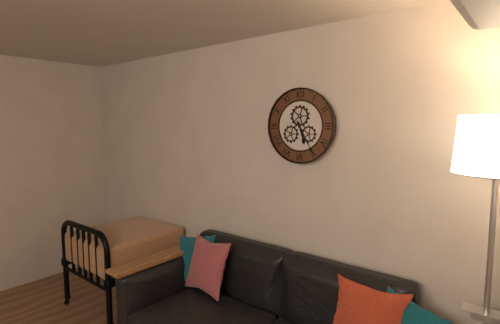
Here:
5,25
